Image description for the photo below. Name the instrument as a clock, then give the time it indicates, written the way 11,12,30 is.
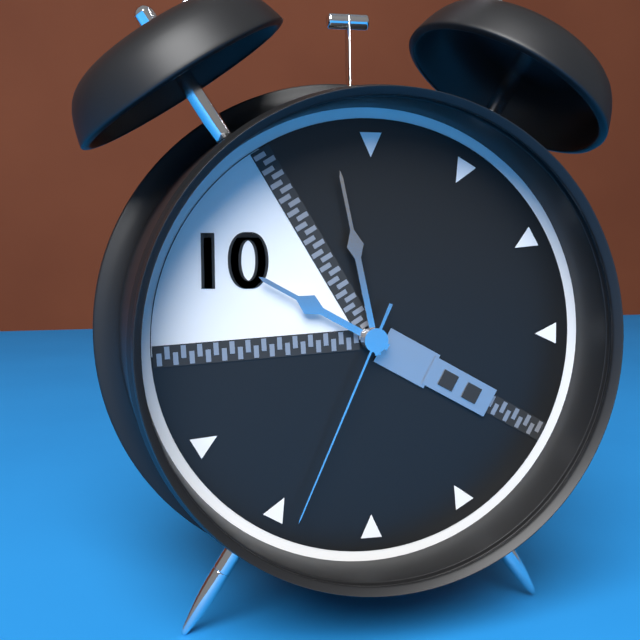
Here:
9,58,34
